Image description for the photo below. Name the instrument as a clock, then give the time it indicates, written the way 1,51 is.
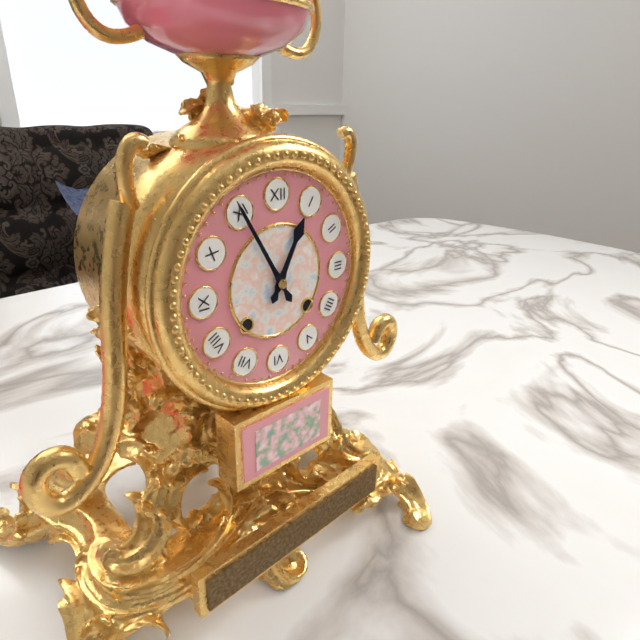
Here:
12,55
